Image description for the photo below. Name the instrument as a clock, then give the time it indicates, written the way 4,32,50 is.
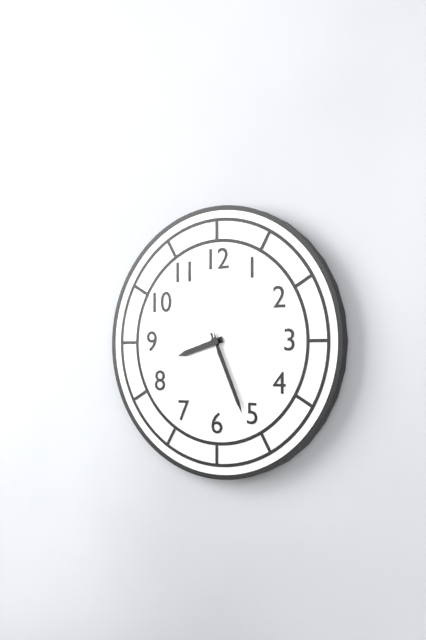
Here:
8,26,58
